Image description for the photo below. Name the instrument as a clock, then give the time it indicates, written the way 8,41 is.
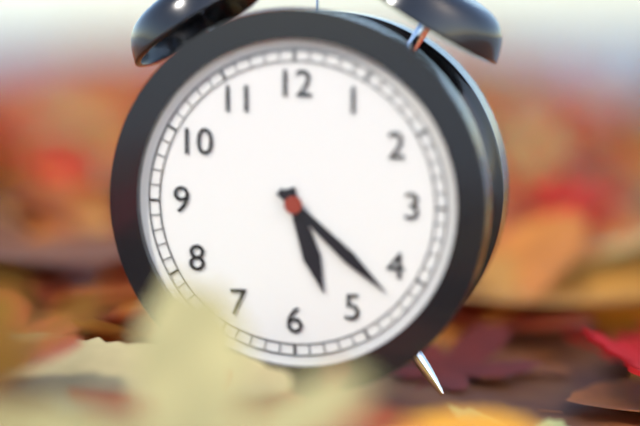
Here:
5,22
